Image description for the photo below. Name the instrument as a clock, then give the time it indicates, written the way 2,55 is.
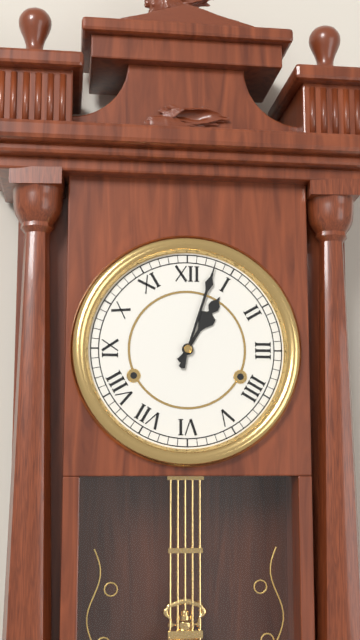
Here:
1,03
